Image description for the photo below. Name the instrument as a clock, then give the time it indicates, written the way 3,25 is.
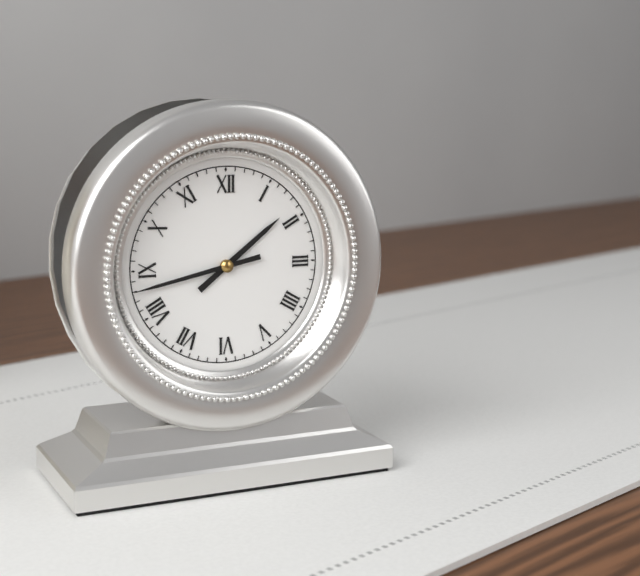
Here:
1,43
